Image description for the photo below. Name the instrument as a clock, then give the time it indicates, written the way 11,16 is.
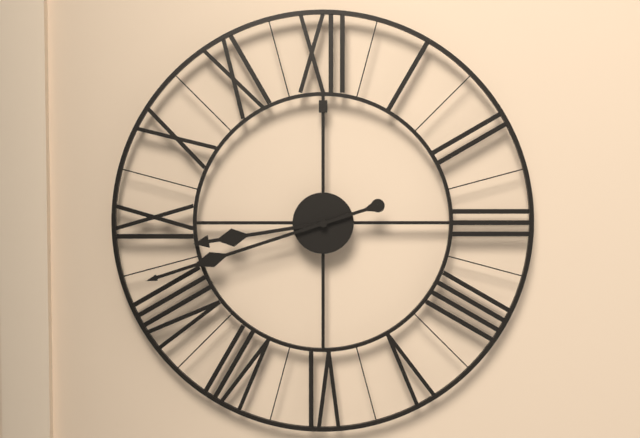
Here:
8,42
